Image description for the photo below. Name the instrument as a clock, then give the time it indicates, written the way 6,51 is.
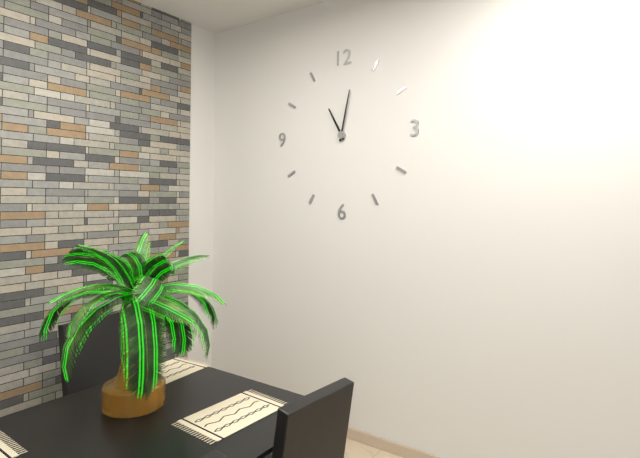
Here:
11,02
